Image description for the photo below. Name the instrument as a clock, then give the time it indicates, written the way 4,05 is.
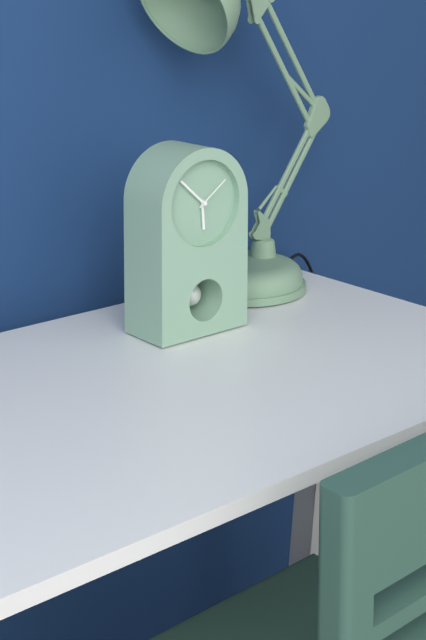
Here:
5,52
